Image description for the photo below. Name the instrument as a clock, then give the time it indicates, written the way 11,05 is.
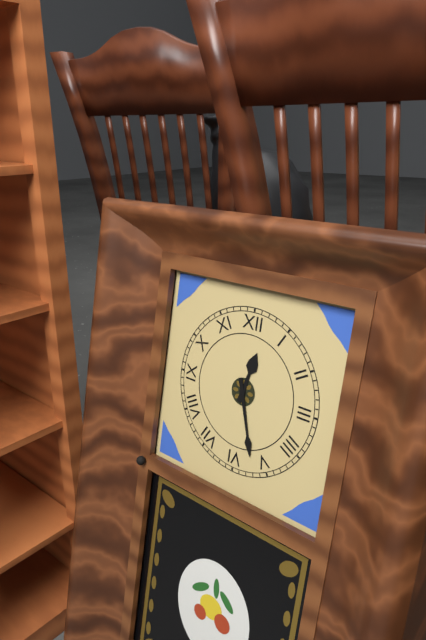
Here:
12,27
